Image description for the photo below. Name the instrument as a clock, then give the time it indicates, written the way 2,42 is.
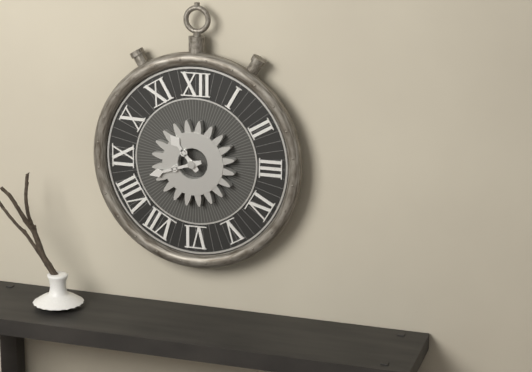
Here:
10,42
